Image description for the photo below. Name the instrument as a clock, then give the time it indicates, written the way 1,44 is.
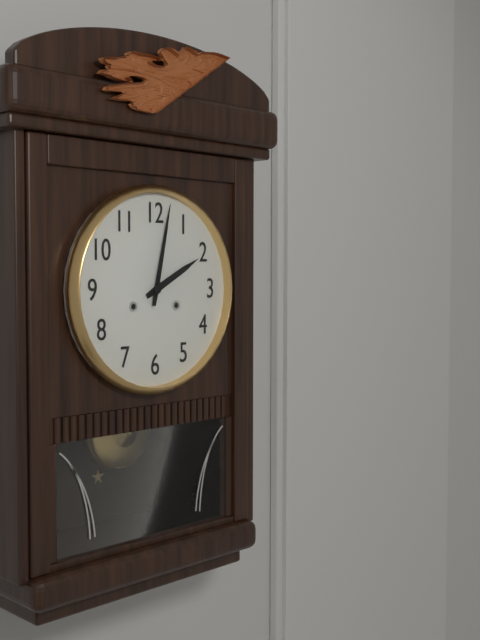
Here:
2,02
